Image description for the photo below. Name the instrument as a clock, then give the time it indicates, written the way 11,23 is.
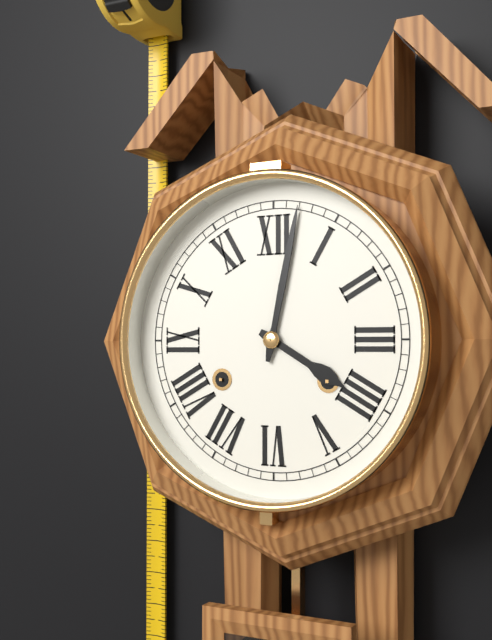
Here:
4,02
